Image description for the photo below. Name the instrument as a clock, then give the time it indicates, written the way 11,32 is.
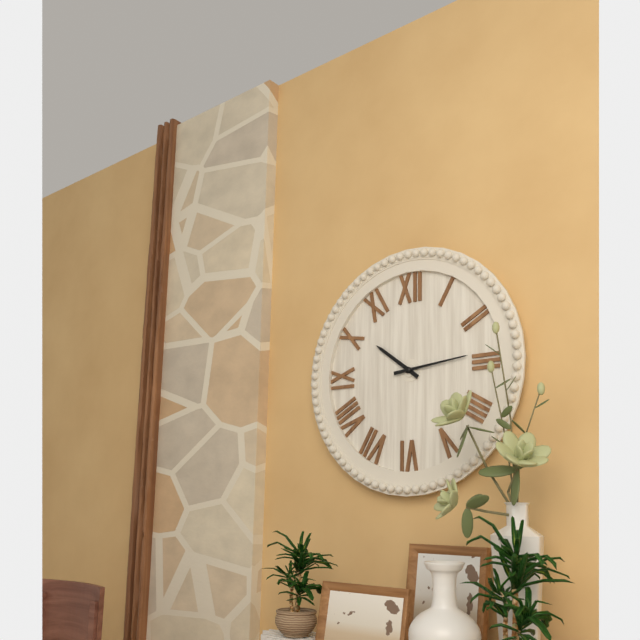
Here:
10,14
